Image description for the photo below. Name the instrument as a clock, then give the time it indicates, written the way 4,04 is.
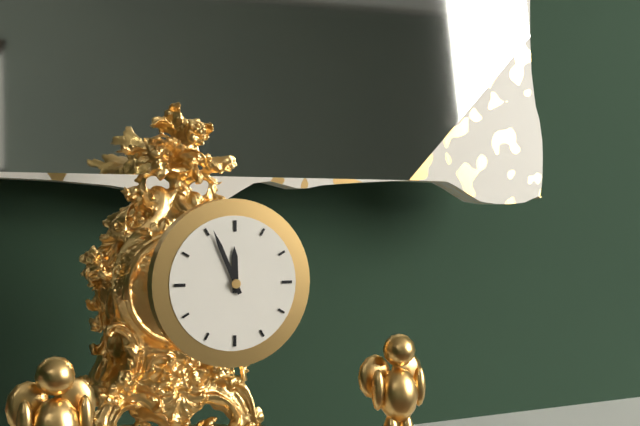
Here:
11,56
